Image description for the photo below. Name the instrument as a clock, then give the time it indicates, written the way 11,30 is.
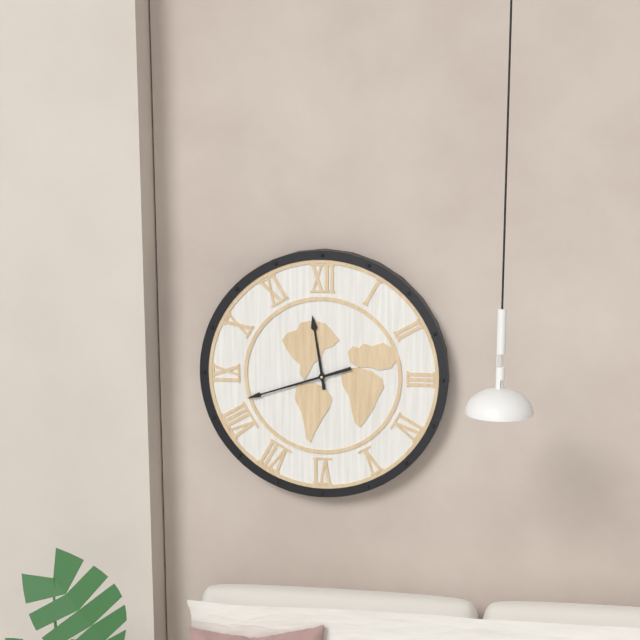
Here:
11,42
